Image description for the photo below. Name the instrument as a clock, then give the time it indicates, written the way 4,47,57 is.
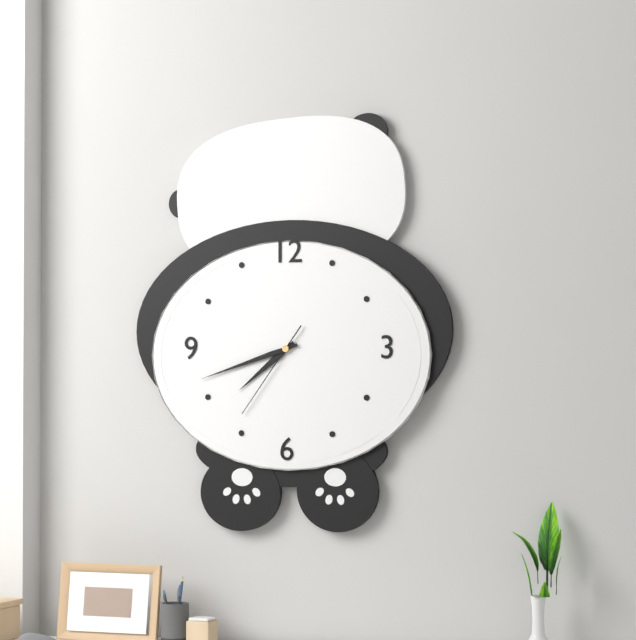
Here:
7,42,36
